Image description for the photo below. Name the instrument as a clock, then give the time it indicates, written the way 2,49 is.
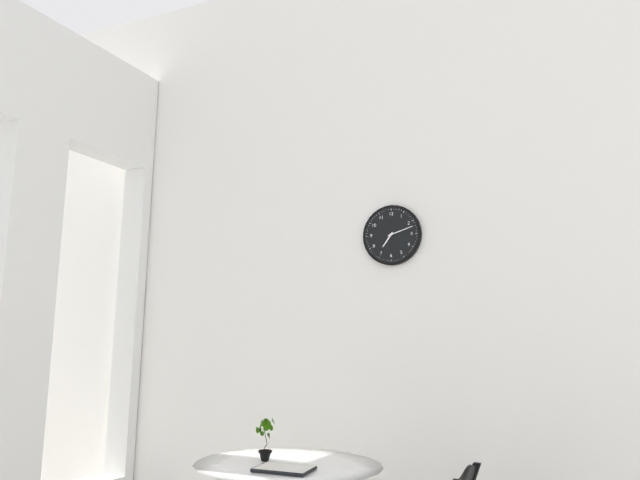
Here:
7,12
